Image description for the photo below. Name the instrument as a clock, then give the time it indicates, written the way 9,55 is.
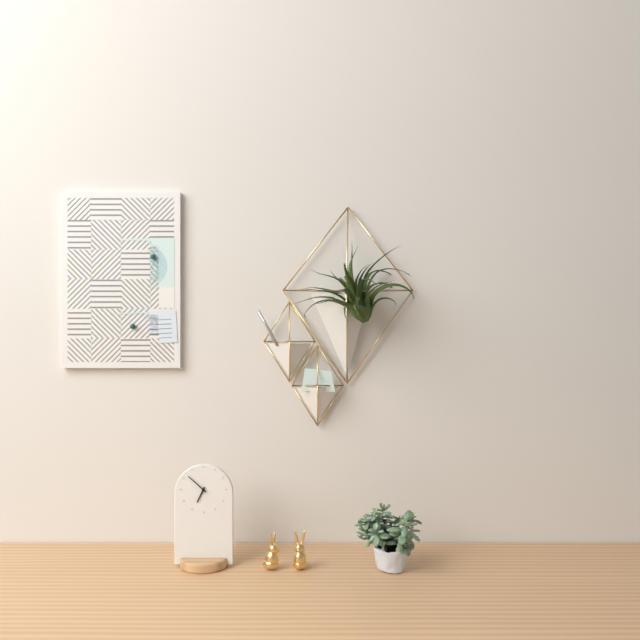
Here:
6,52
